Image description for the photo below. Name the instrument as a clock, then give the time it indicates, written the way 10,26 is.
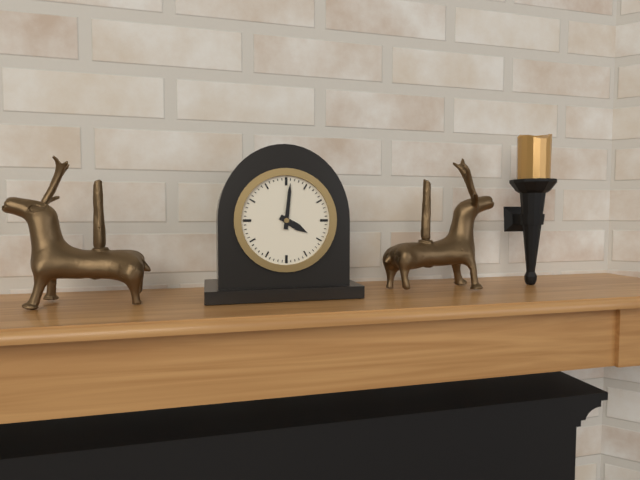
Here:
4,01
